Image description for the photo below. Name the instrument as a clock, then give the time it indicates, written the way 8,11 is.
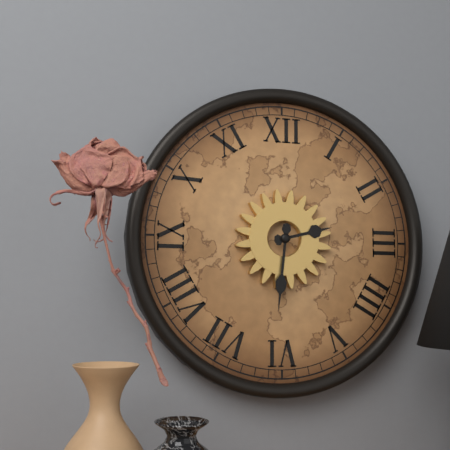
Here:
2,31
